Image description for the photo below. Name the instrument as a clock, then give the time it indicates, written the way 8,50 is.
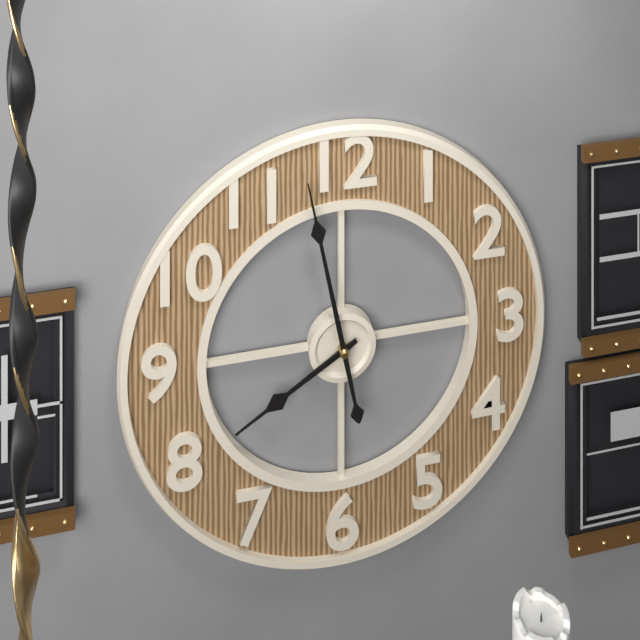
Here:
7,58
